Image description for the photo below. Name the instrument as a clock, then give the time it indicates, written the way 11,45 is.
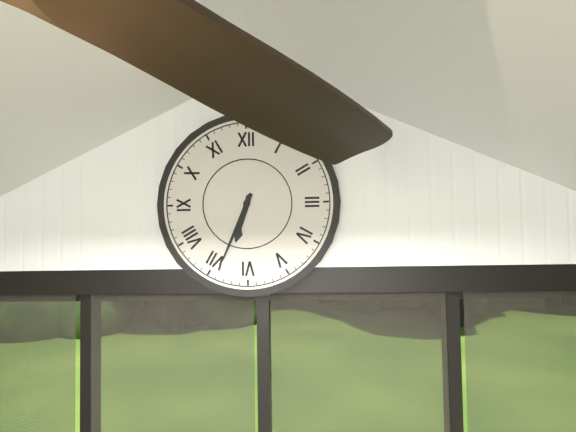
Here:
6,34
